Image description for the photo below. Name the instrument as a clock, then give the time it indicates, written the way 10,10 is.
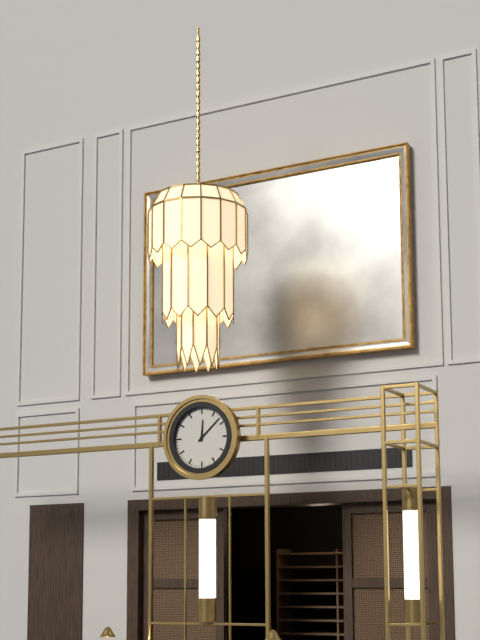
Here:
12,08
